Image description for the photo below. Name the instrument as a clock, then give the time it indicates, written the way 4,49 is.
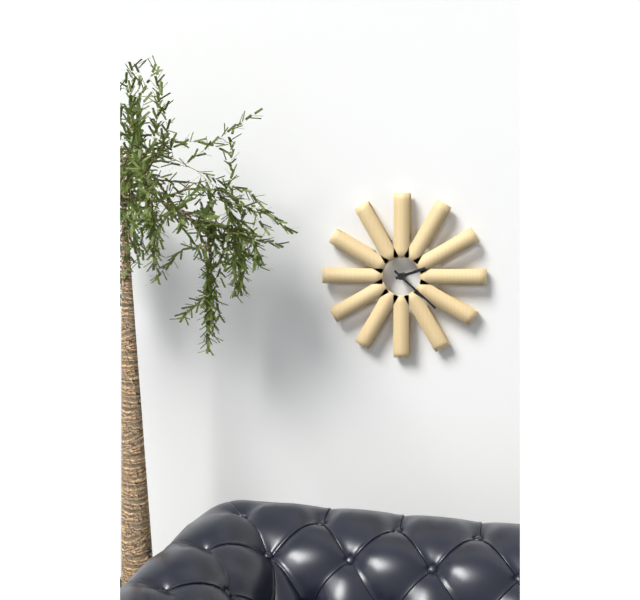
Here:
2,22
